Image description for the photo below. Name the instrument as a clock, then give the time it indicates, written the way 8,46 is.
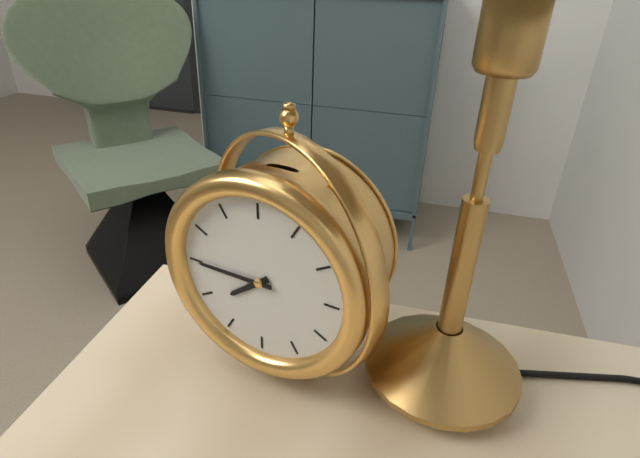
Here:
7,45
